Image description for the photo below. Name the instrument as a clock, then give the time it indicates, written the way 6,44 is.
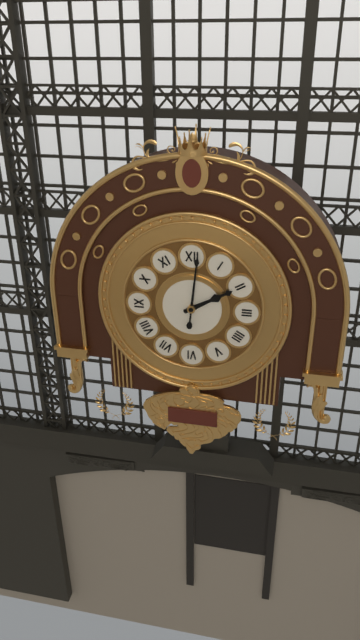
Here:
2,01
